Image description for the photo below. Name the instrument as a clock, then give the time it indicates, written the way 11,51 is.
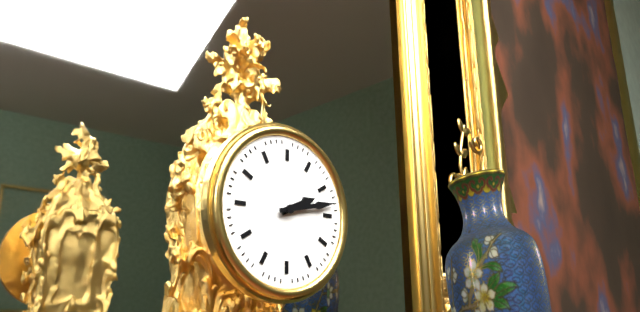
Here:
2,13
